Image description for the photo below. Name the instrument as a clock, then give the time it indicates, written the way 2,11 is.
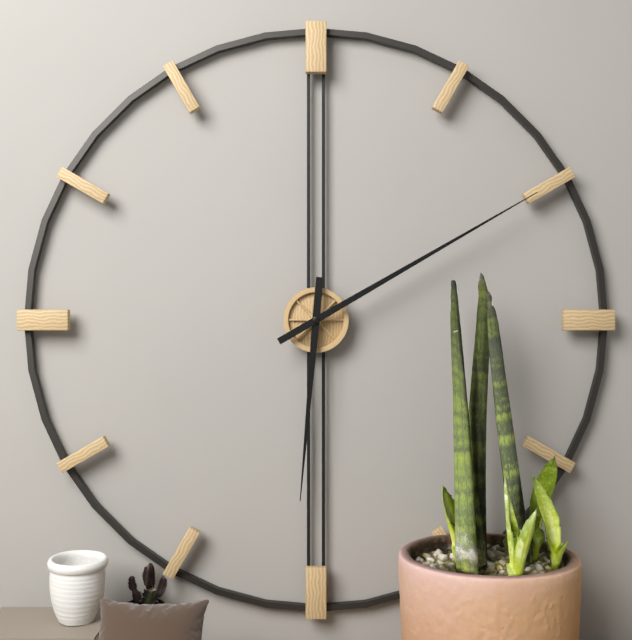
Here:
6,10
